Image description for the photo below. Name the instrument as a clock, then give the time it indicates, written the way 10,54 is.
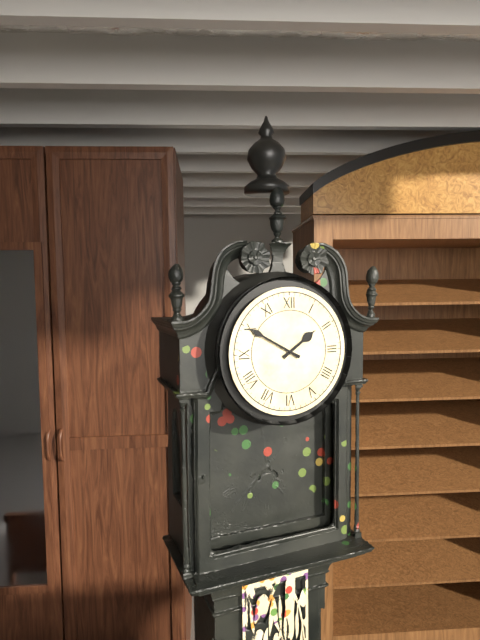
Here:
1,50
